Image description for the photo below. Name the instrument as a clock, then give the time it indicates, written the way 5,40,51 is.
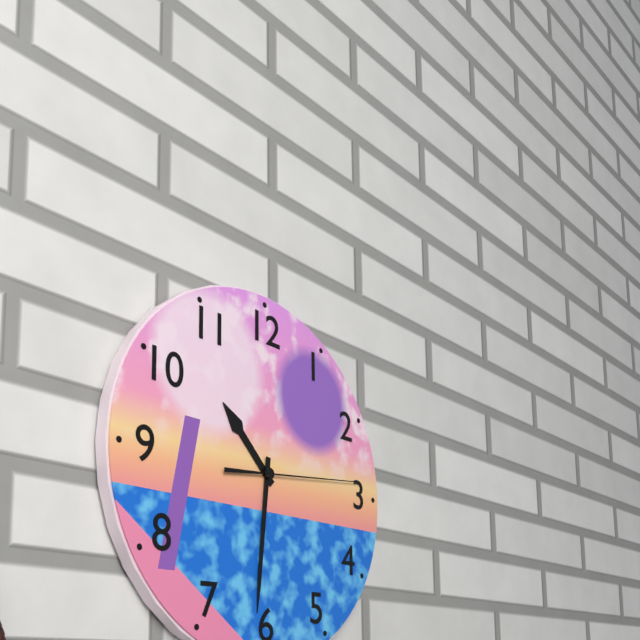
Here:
10,31,14
